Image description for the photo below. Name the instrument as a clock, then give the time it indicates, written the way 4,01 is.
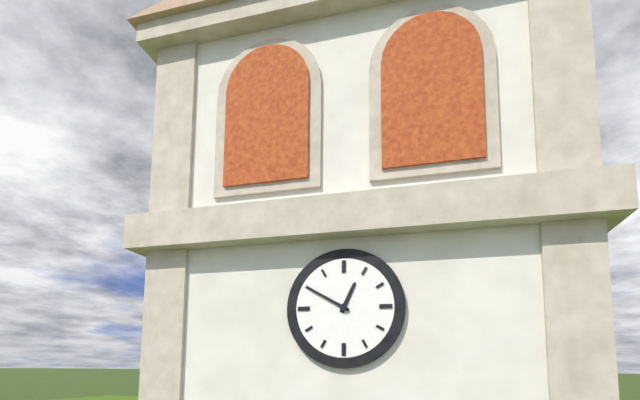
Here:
12,50
